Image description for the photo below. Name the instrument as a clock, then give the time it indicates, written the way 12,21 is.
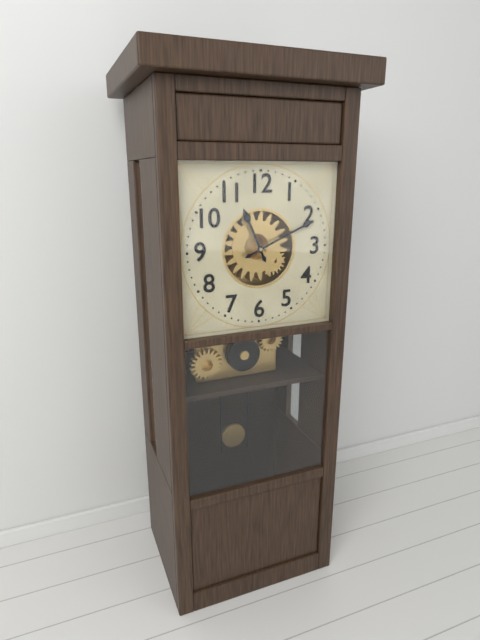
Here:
11,11
